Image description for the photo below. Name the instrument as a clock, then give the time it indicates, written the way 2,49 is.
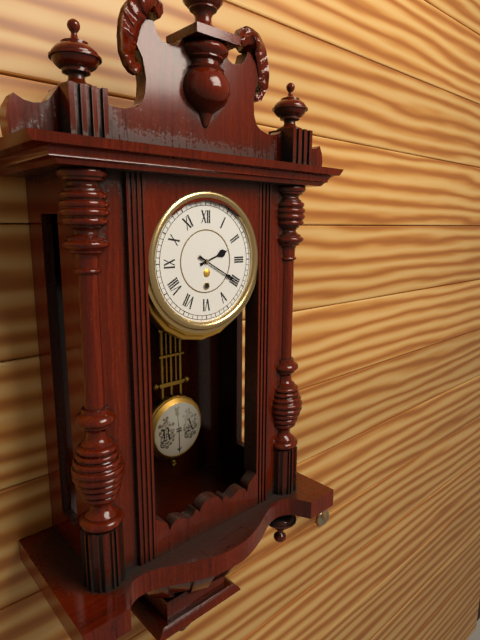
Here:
2,20
